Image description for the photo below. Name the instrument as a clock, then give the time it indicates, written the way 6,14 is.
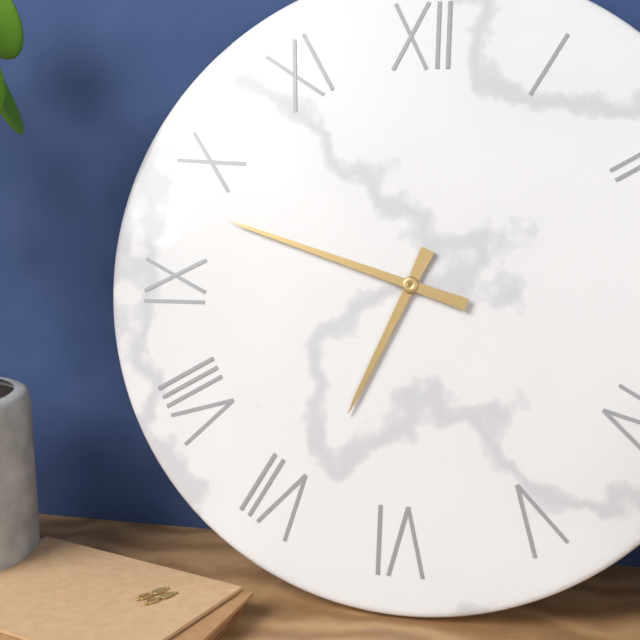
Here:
6,48
